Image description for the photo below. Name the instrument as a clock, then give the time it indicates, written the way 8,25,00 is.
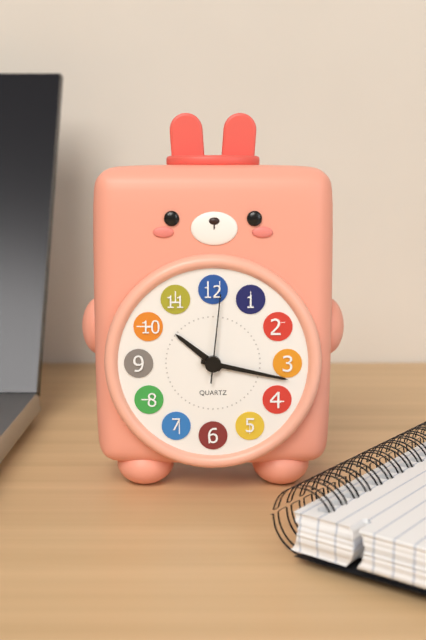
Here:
10,17,01
